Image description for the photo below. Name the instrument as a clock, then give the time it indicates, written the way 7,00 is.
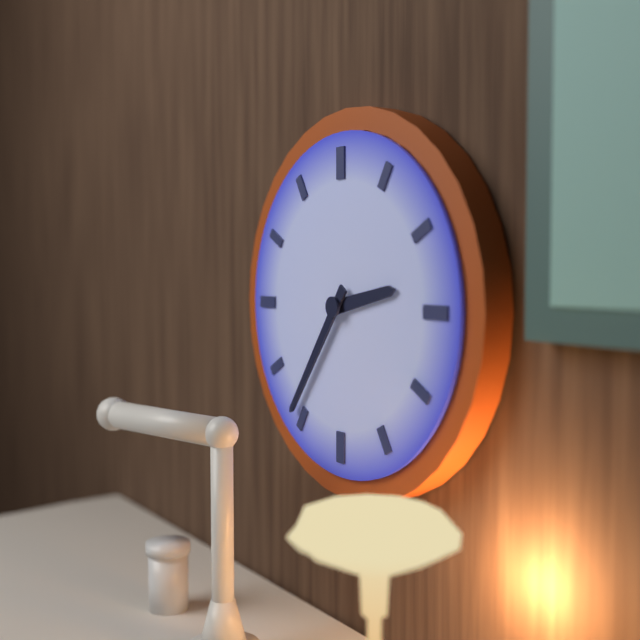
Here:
2,36
